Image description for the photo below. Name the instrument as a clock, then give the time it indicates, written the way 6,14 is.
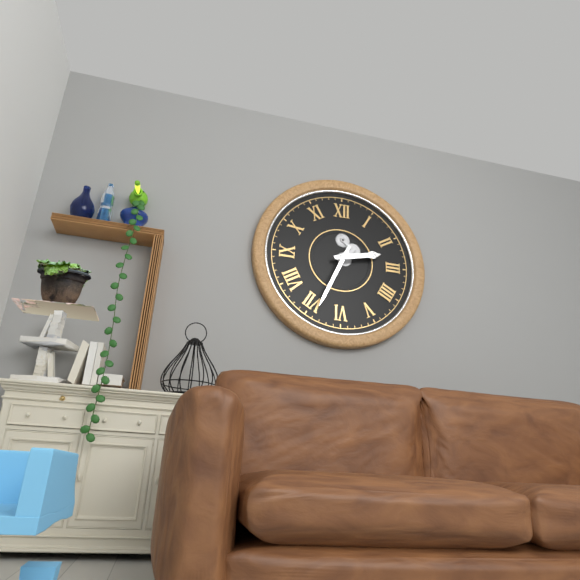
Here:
2,34
